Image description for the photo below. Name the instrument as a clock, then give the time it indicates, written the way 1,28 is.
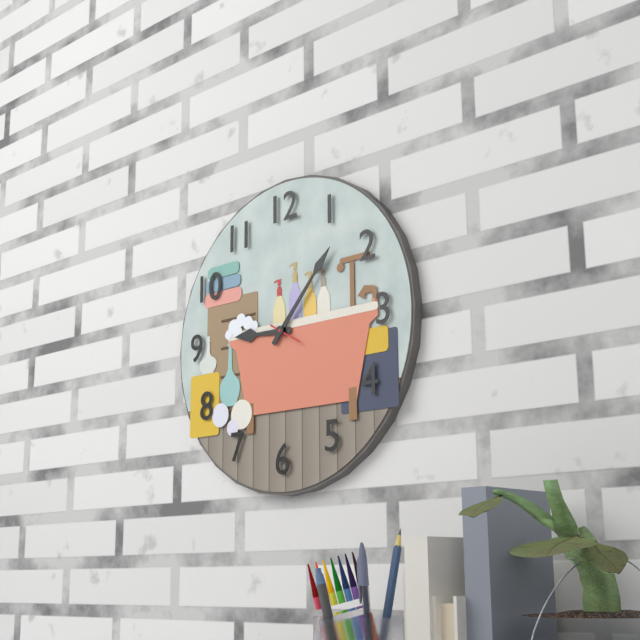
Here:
9,07
